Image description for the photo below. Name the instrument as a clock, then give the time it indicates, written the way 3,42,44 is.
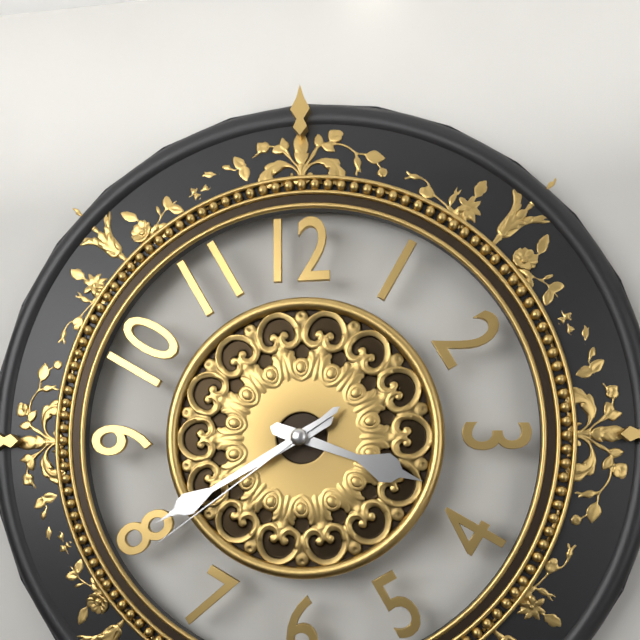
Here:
3,40,39
